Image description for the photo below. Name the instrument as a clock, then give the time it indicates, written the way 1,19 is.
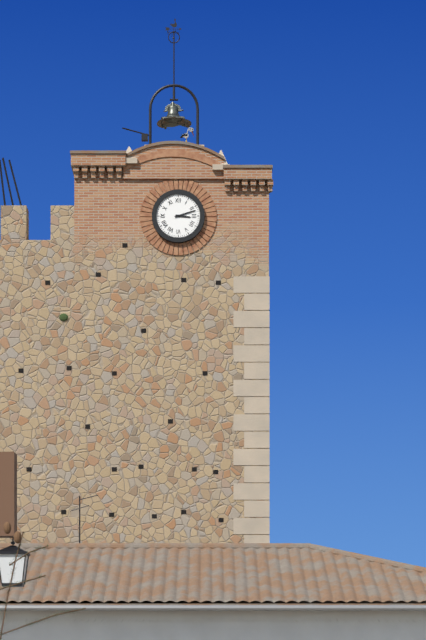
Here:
3,12
